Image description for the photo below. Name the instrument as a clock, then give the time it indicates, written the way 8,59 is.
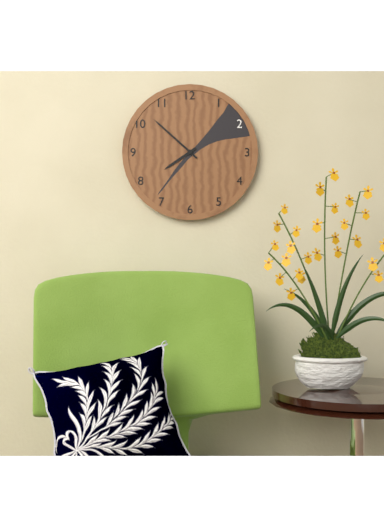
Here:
7,52
